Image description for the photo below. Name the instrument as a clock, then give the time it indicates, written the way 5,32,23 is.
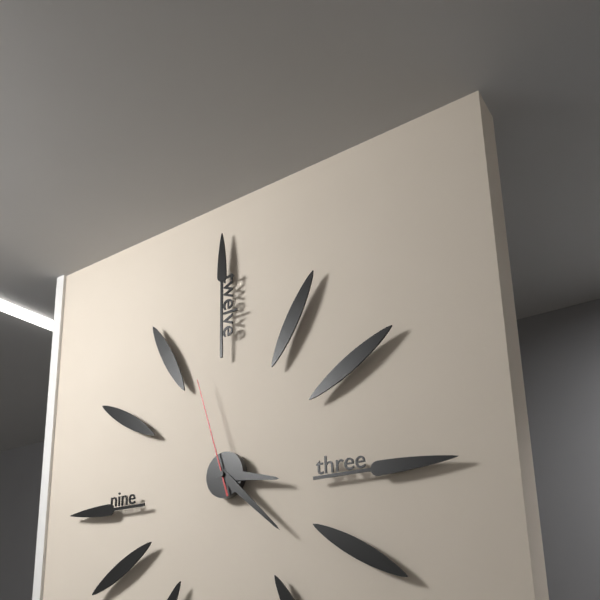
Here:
3,22,57
